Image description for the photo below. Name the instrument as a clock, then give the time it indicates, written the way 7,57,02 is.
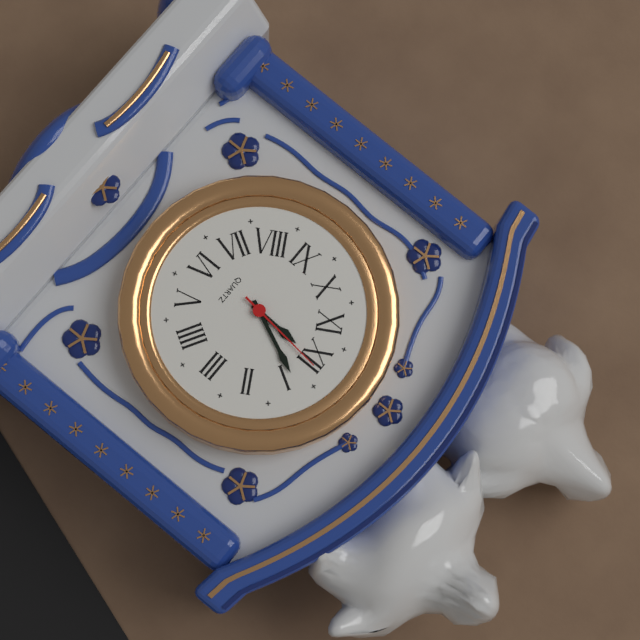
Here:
12,04,01
